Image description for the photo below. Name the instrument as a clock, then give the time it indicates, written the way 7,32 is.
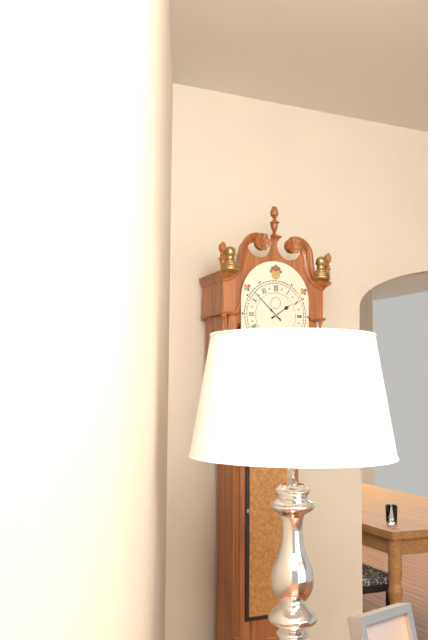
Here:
1,52
